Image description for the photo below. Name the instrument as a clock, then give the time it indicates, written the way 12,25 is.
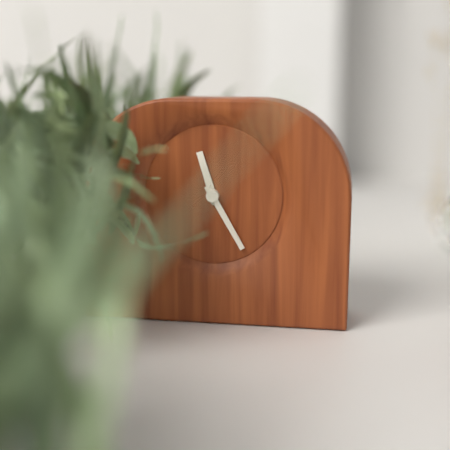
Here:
11,25
